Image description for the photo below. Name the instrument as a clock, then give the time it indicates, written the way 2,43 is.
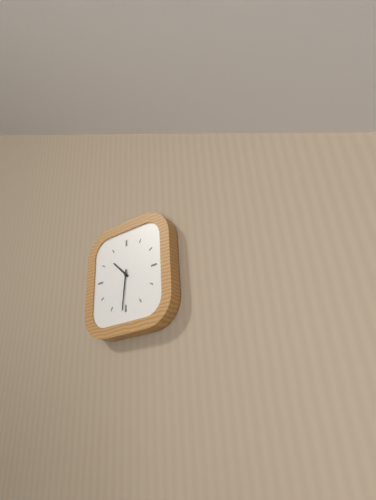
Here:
10,31
